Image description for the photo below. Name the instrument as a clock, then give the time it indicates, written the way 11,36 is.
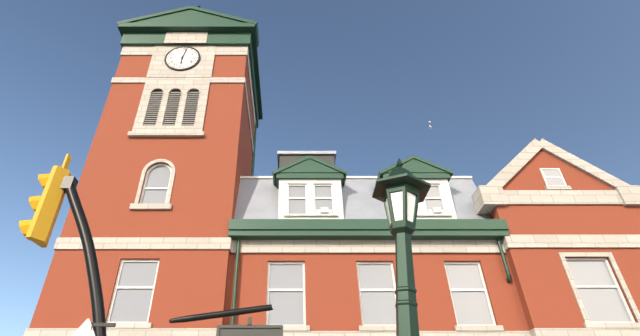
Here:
6,02
